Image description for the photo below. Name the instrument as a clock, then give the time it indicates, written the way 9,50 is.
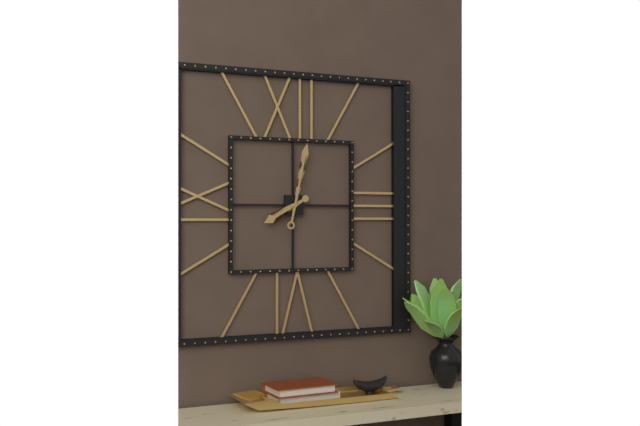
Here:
8,02
